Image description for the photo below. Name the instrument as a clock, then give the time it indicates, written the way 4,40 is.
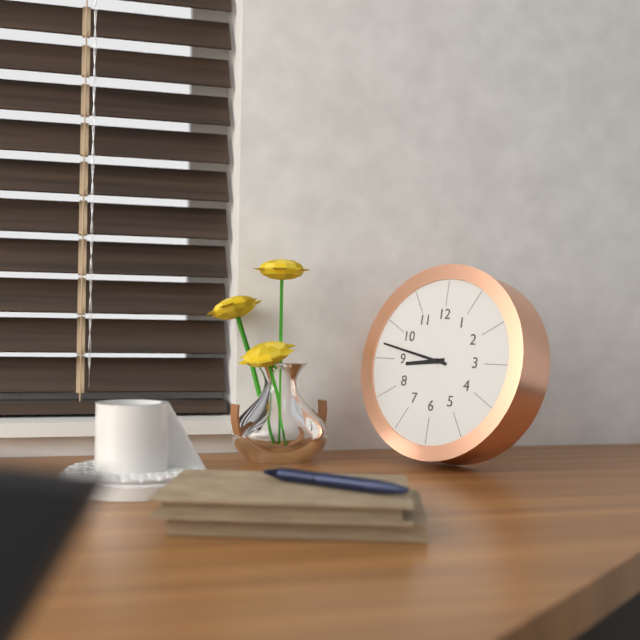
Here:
8,47
